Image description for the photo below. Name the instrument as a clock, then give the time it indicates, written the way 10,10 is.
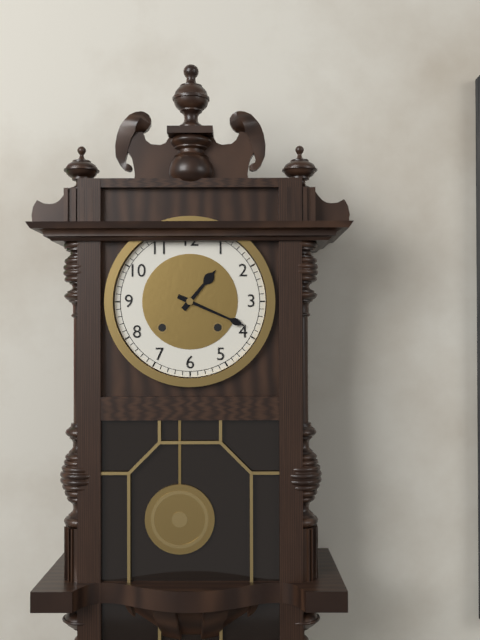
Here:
1,19
